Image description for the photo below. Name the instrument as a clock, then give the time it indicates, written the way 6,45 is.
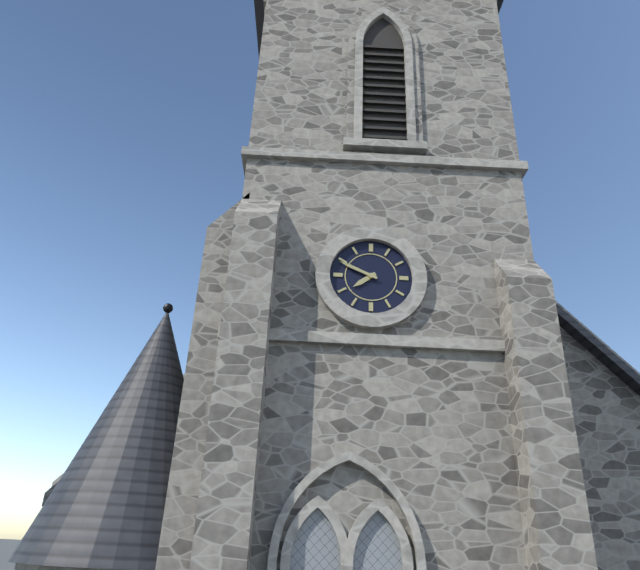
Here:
7,49
